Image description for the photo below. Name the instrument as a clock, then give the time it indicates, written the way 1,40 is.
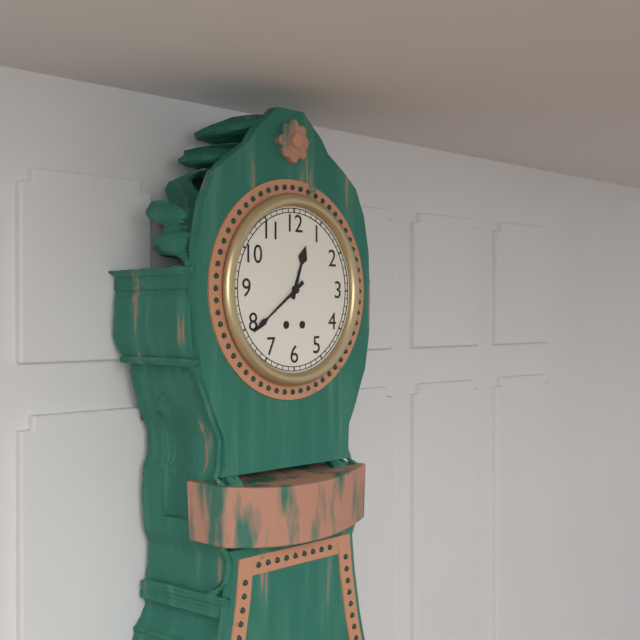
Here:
12,39
